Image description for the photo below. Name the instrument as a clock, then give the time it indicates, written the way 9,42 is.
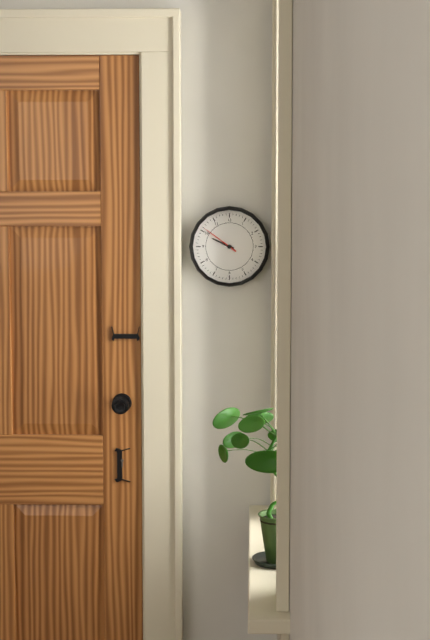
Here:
9,51
